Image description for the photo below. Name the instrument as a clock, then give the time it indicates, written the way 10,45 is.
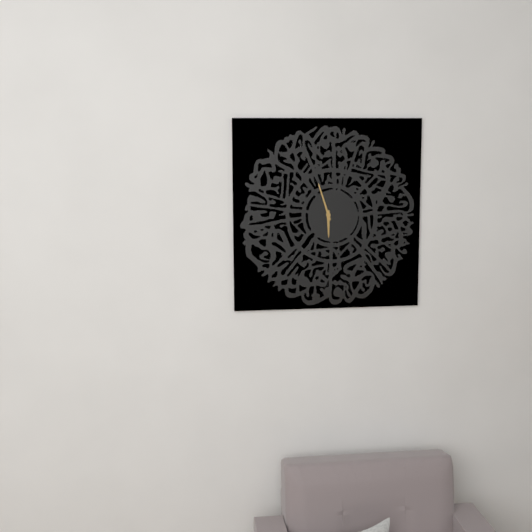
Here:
5,57
